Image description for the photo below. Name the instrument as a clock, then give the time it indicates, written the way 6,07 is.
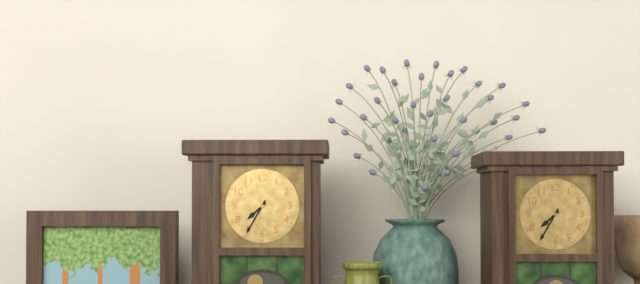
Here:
7,35
